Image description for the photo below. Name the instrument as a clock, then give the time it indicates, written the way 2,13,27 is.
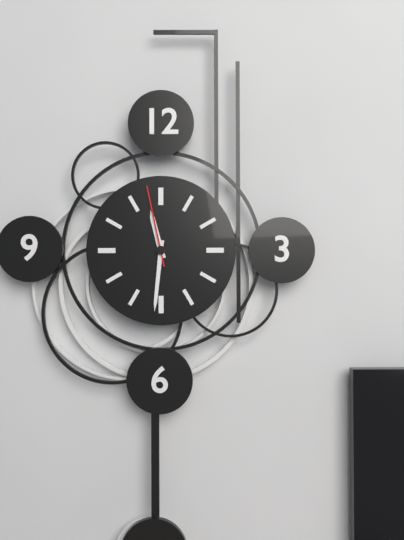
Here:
11,31,58
